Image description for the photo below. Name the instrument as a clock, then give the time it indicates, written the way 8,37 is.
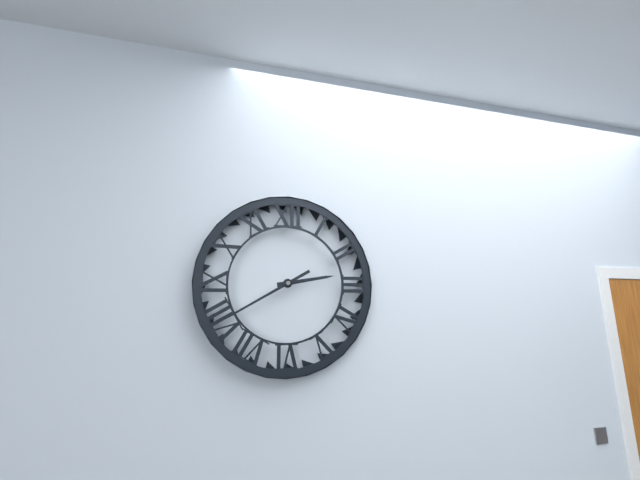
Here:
2,40
